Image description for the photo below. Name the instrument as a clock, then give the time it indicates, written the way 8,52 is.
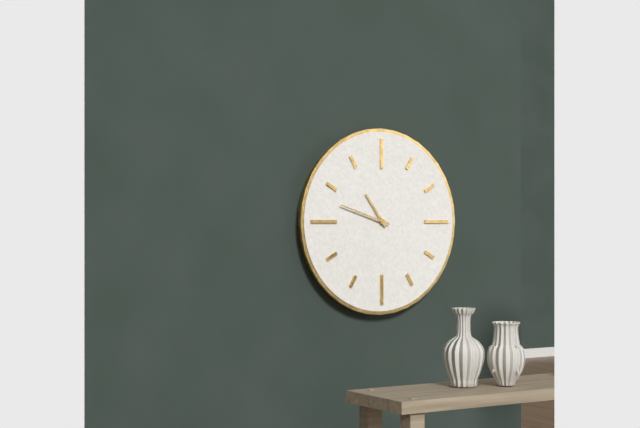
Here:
10,48
